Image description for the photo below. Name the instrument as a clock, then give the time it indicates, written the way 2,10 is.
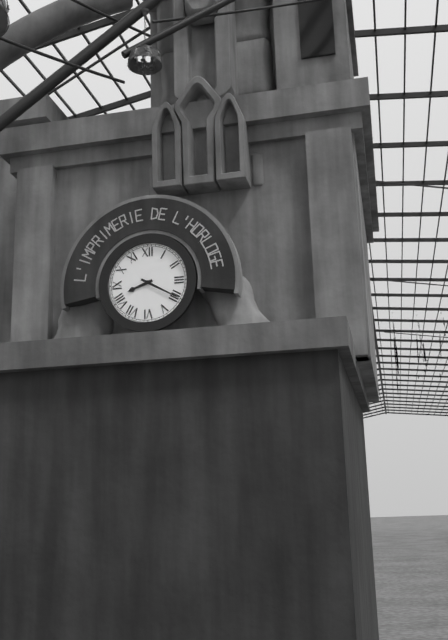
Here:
8,20
